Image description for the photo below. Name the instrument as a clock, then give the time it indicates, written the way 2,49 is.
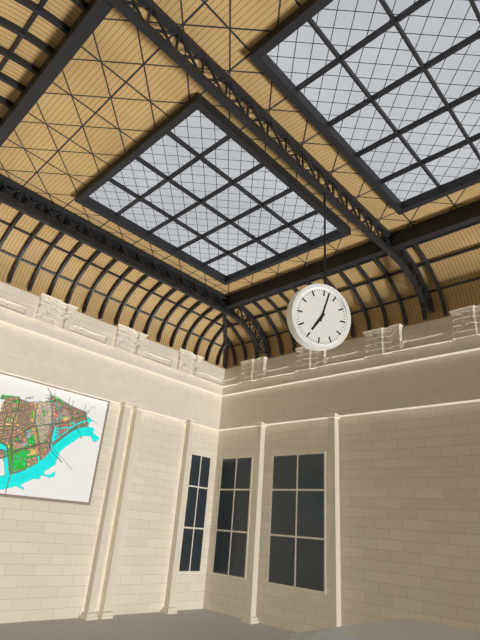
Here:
7,02
